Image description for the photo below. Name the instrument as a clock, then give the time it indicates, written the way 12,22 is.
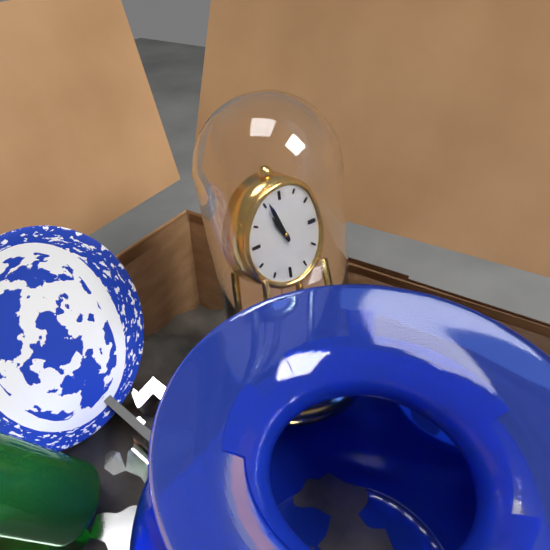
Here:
10,56
